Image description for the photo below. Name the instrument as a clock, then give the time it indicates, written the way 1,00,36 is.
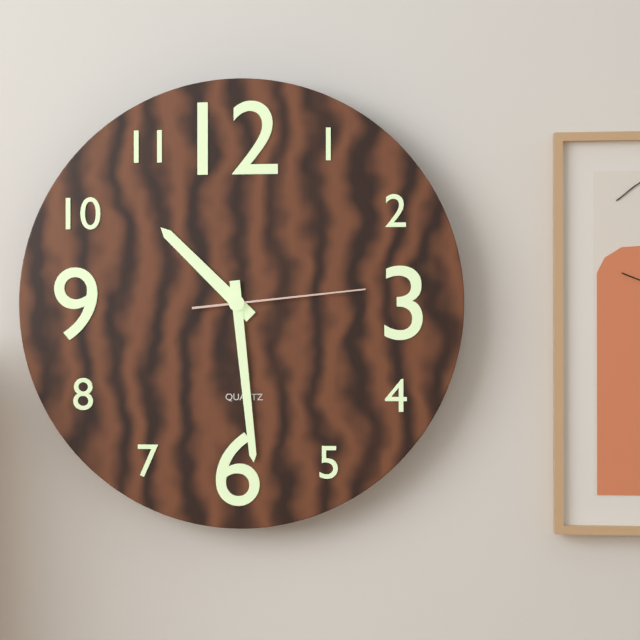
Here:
10,29,14
